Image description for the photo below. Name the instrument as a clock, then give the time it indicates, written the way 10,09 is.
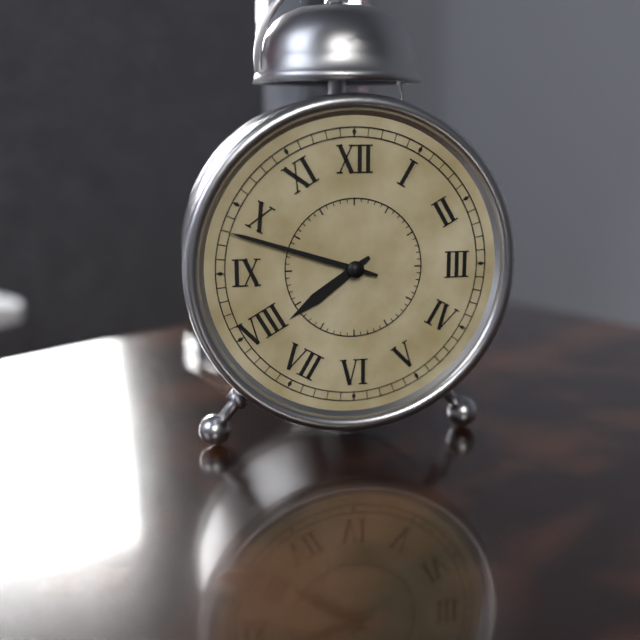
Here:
7,48
